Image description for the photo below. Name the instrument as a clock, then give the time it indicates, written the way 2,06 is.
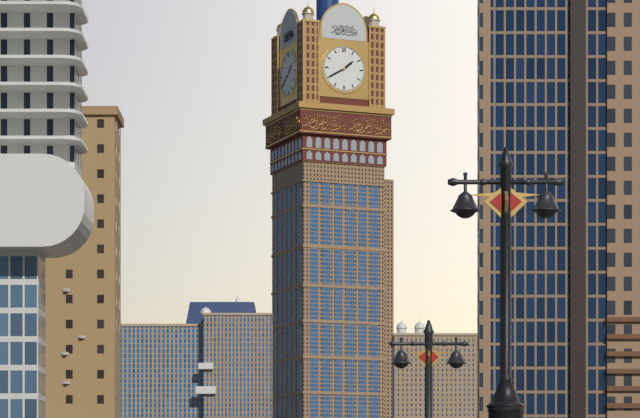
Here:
1,40
